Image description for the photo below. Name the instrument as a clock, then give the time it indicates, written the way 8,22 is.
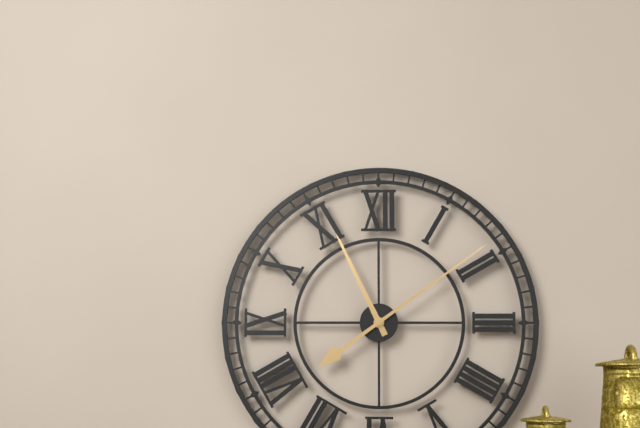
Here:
11,09
